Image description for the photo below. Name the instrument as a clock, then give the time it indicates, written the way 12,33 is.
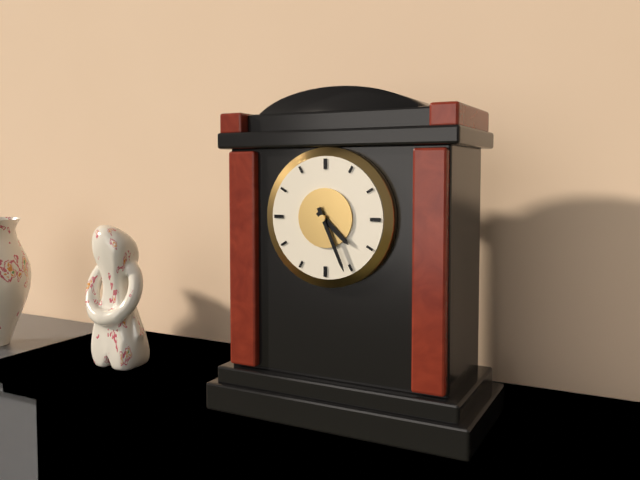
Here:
4,26
